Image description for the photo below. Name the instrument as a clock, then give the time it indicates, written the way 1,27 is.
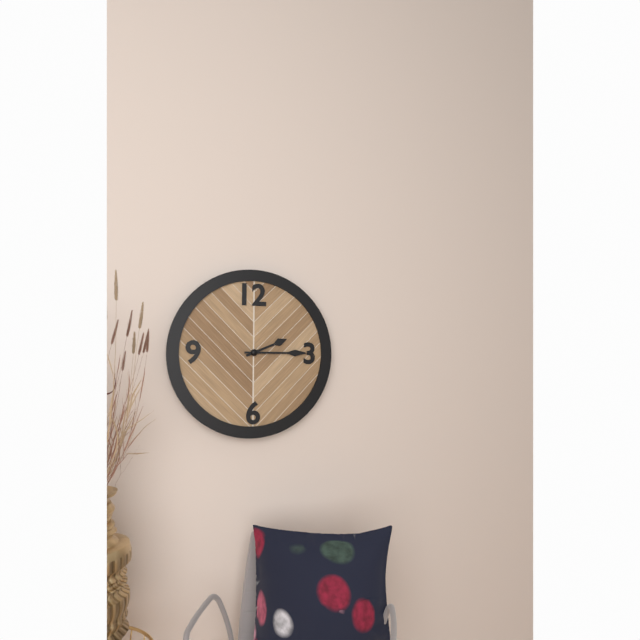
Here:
2,15
